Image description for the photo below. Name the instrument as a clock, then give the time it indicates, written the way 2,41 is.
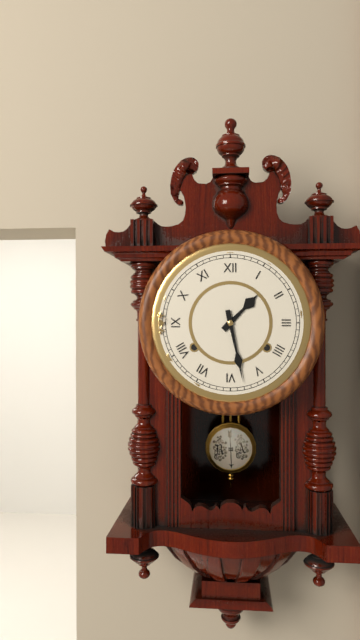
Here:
1,28
